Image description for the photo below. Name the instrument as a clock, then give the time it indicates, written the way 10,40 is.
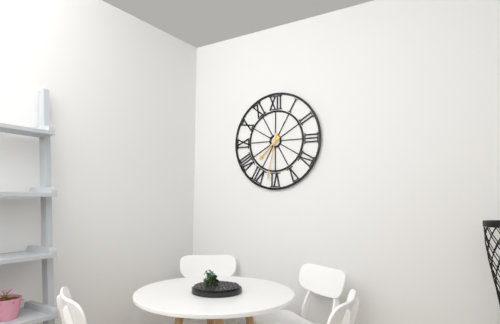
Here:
7,32
